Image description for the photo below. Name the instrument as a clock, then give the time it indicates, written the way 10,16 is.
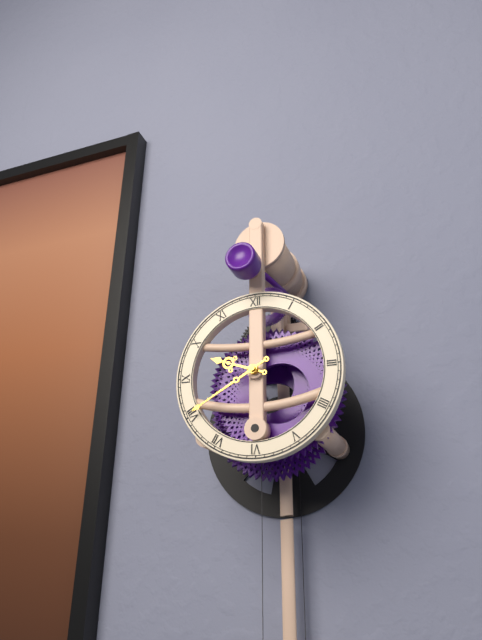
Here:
9,40
